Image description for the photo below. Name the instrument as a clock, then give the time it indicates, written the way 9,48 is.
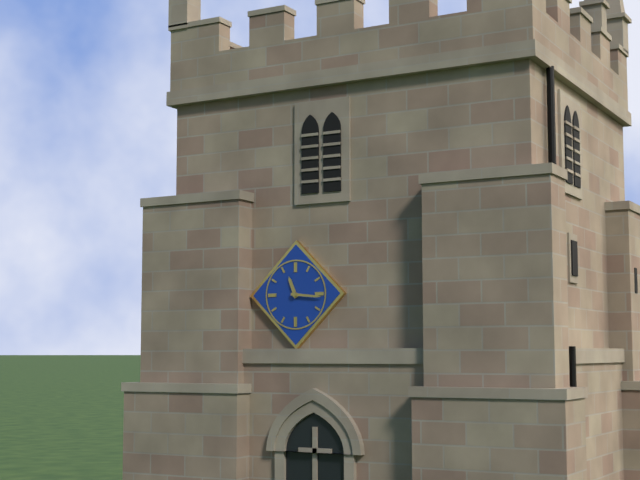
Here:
11,16
